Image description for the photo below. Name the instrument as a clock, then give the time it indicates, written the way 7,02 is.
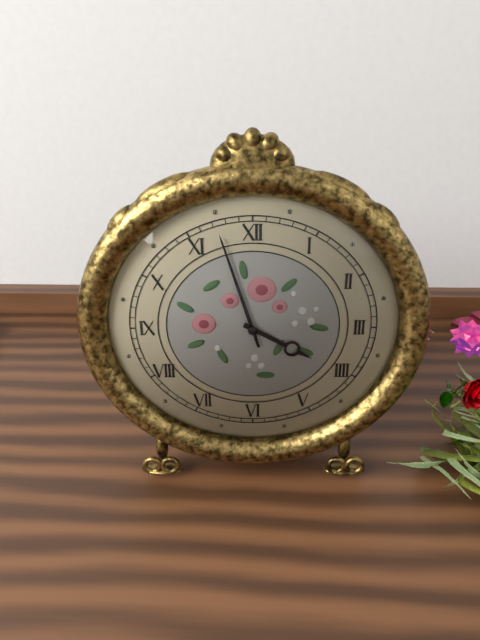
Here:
3,57
